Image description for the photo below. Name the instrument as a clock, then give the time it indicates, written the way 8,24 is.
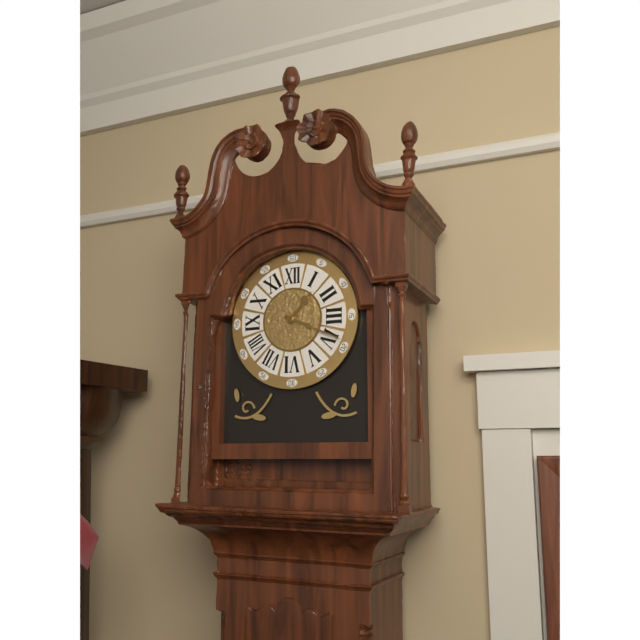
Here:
1,19
